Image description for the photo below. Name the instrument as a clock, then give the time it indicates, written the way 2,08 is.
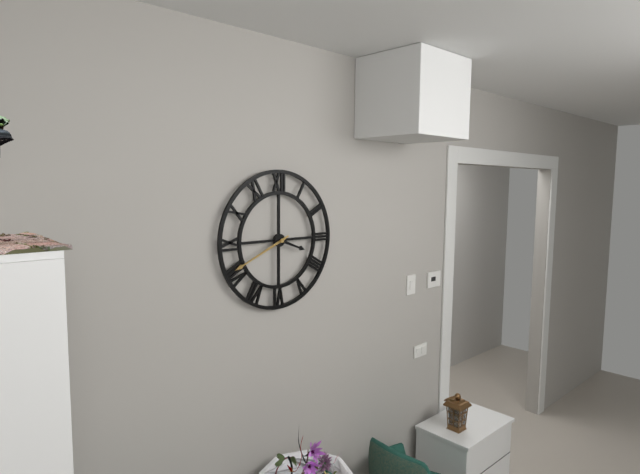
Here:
3,41
